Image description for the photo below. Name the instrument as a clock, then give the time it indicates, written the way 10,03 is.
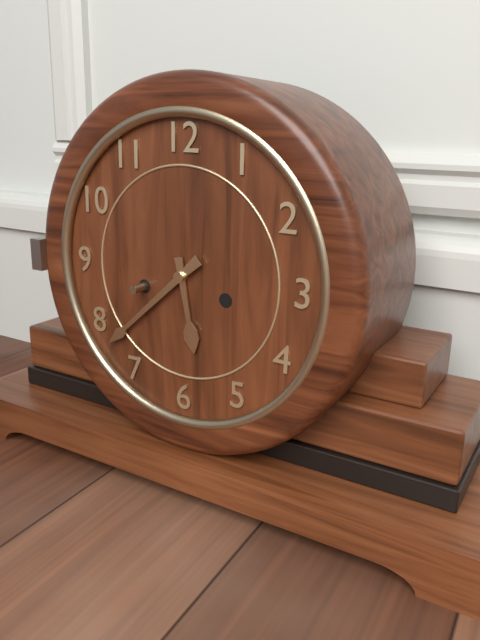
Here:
5,38
